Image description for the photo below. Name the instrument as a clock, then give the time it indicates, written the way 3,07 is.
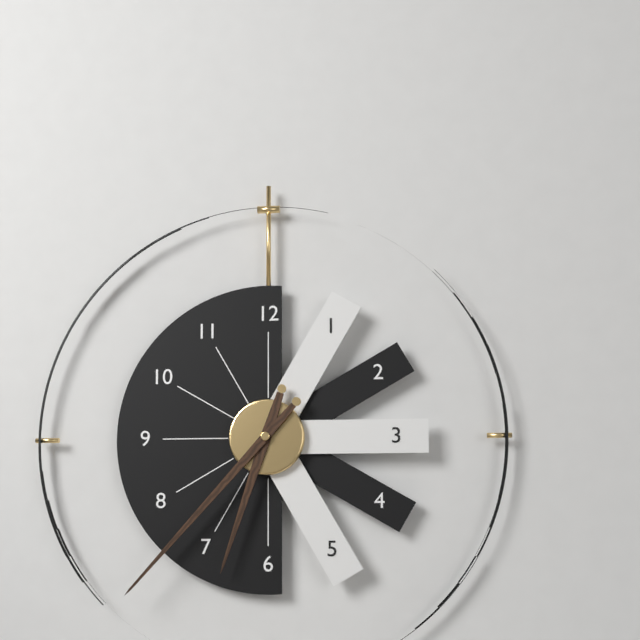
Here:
6,37
